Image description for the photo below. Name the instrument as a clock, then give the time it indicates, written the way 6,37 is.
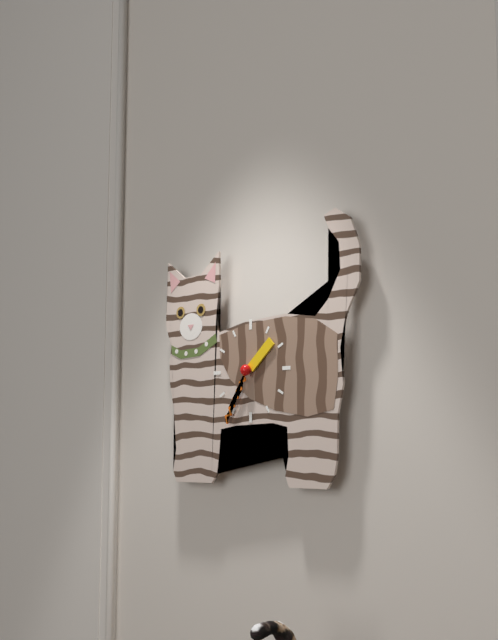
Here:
1,35
